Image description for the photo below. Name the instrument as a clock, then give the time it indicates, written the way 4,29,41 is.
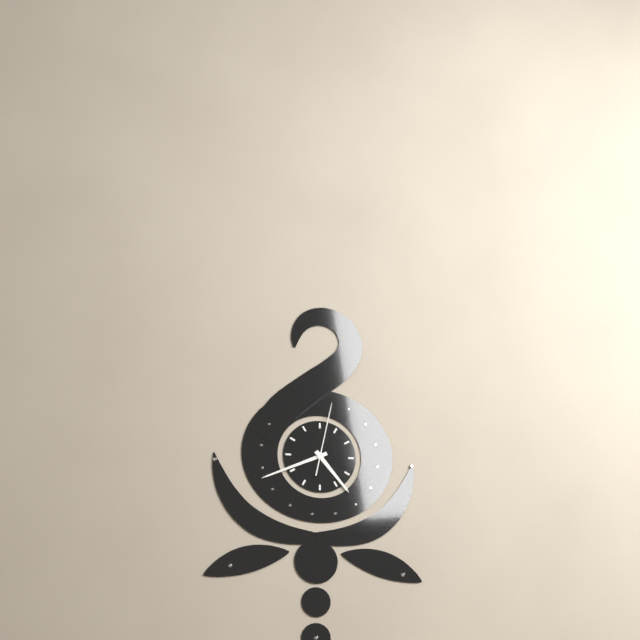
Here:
4,41,02
